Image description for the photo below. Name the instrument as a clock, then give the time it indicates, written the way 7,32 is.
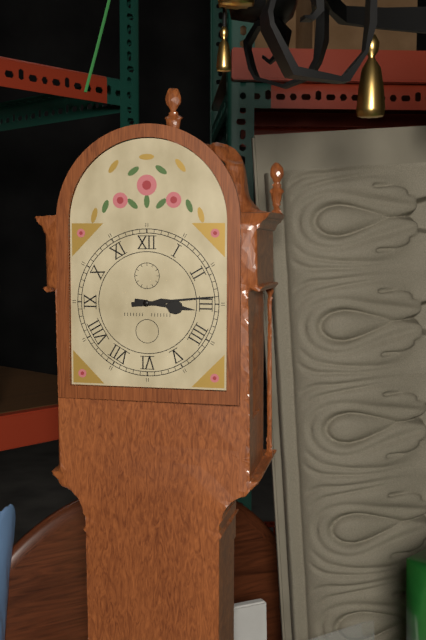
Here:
3,14
